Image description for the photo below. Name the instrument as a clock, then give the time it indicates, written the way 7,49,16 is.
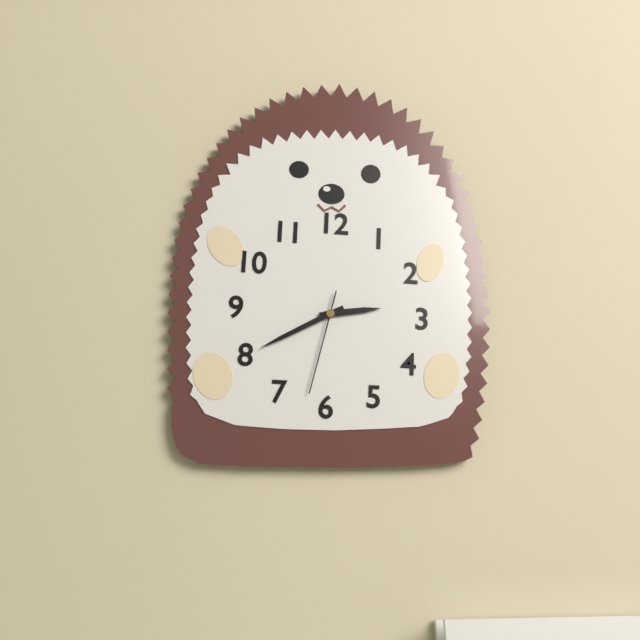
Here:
2,40,32
